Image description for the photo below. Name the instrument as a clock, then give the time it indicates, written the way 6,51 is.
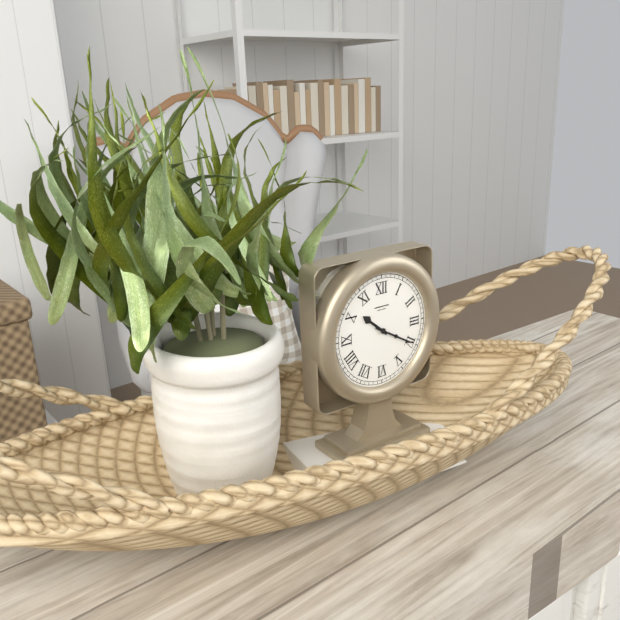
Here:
10,20
